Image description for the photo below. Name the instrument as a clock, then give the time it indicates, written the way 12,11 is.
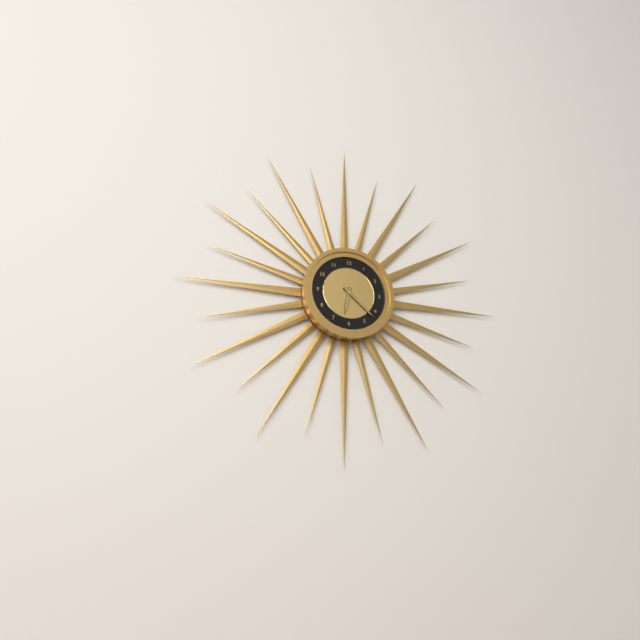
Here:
6,22
